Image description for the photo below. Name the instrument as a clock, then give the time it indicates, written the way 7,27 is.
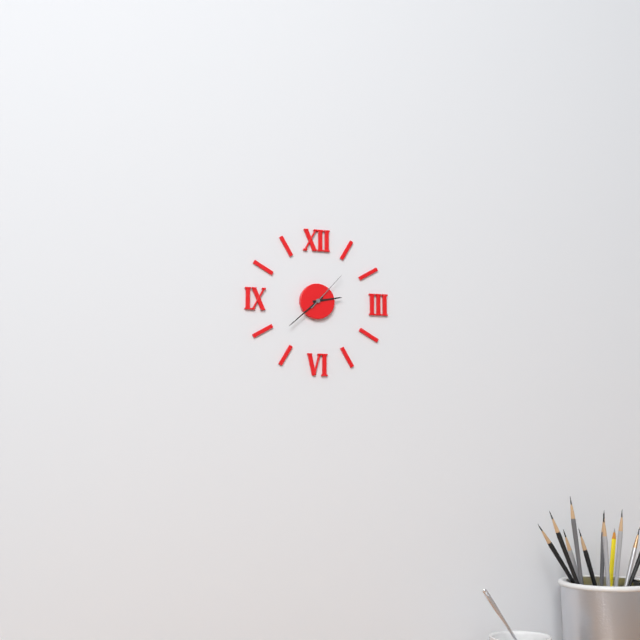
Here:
2,38
